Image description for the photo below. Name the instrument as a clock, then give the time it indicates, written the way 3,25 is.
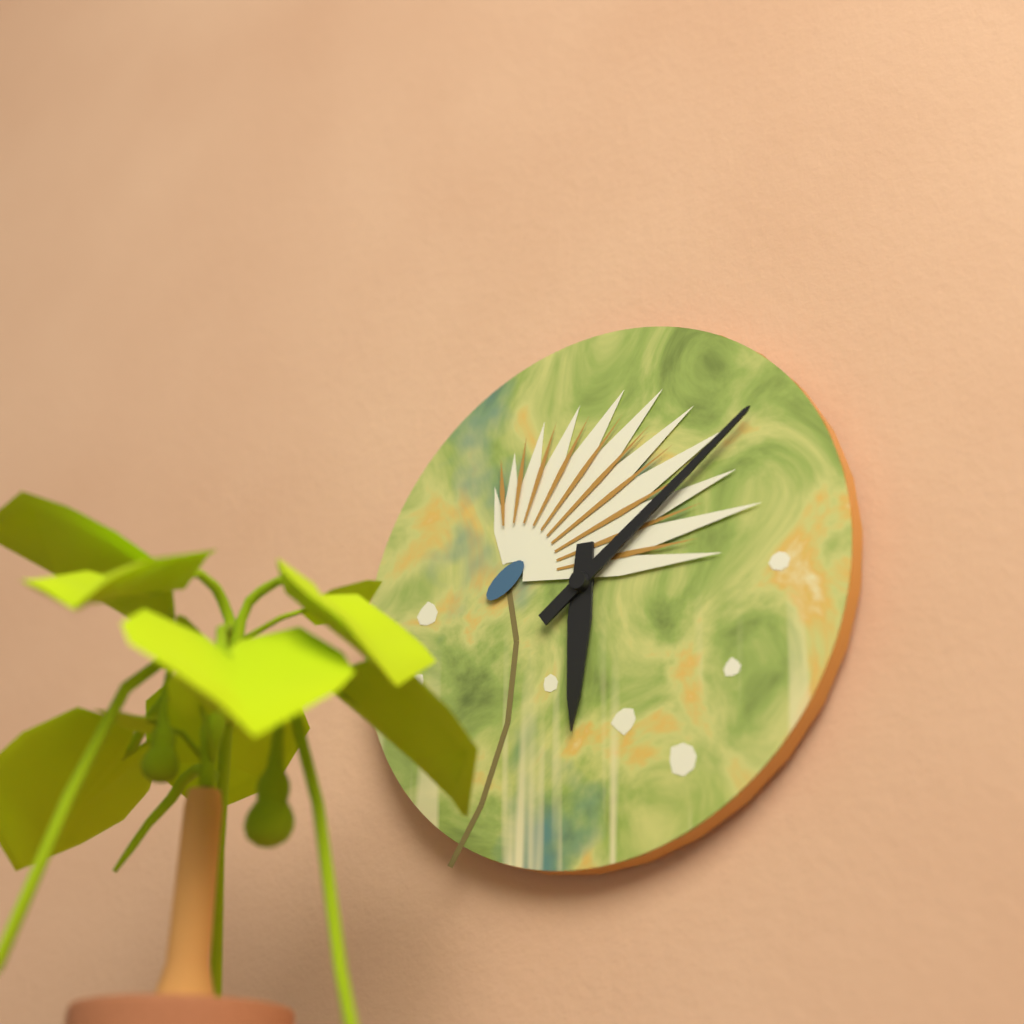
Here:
6,09
